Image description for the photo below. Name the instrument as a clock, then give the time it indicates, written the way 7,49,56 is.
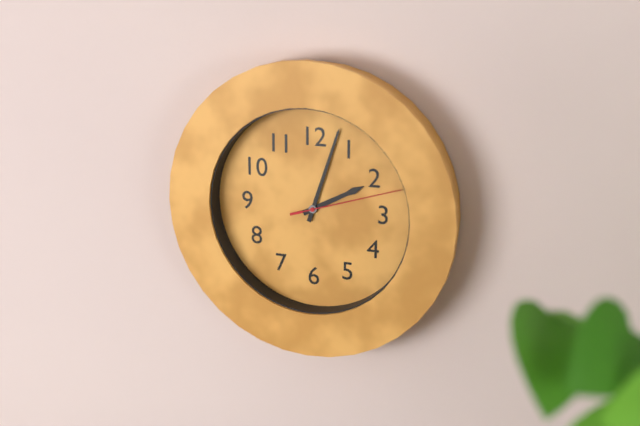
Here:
2,03,12
